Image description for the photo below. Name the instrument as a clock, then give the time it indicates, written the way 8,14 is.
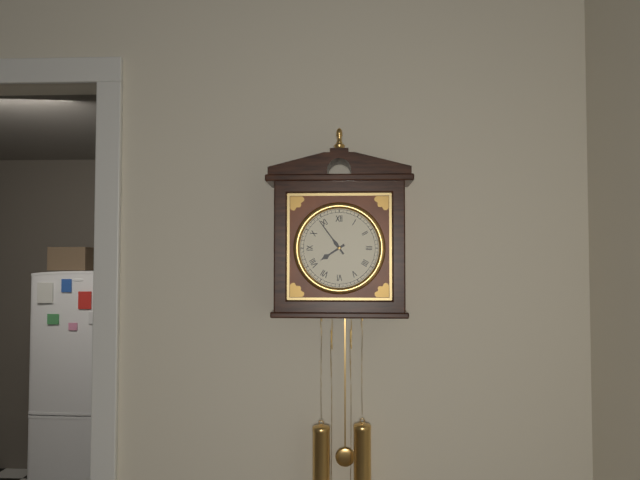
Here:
7,54
